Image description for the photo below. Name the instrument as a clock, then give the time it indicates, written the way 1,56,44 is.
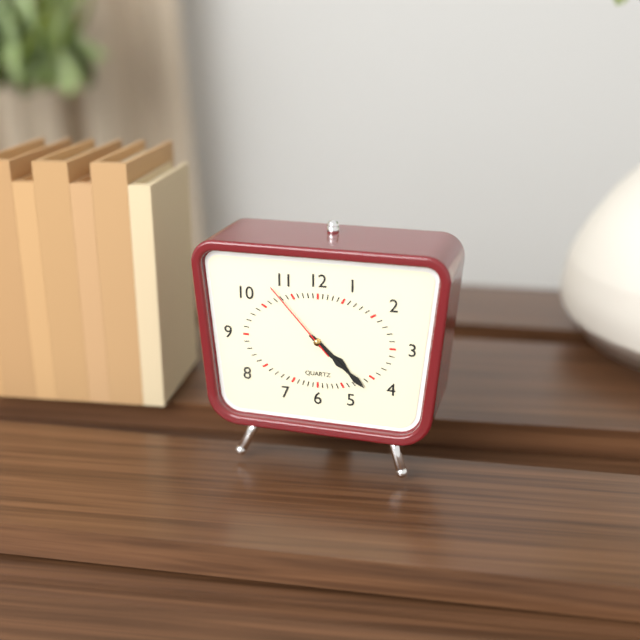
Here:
4,22,53
